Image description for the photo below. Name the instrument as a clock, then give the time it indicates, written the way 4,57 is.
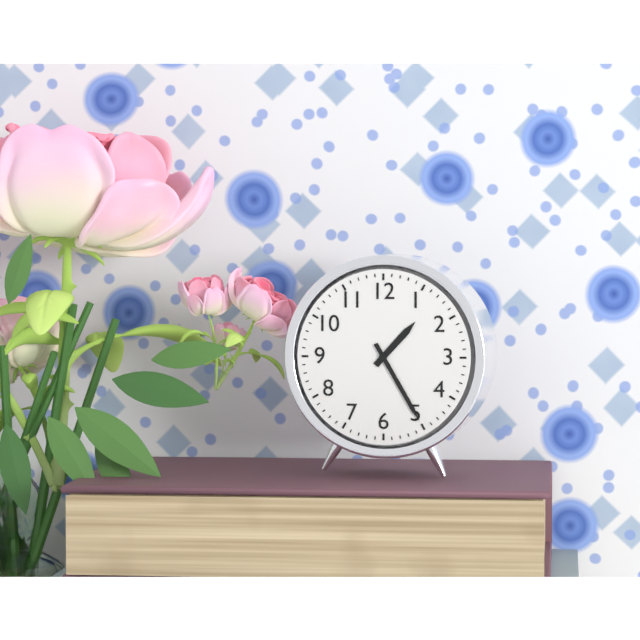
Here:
1,25
